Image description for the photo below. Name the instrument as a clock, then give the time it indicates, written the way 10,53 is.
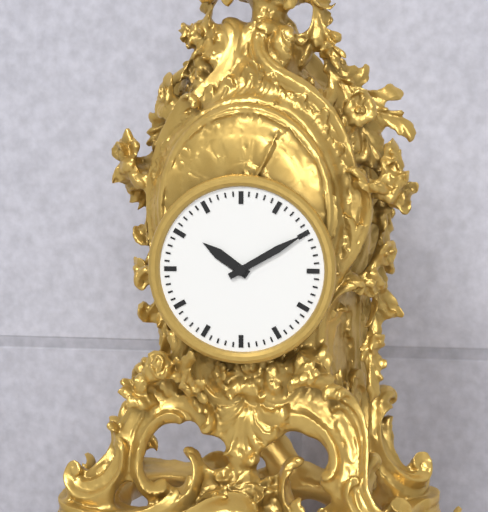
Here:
10,10
